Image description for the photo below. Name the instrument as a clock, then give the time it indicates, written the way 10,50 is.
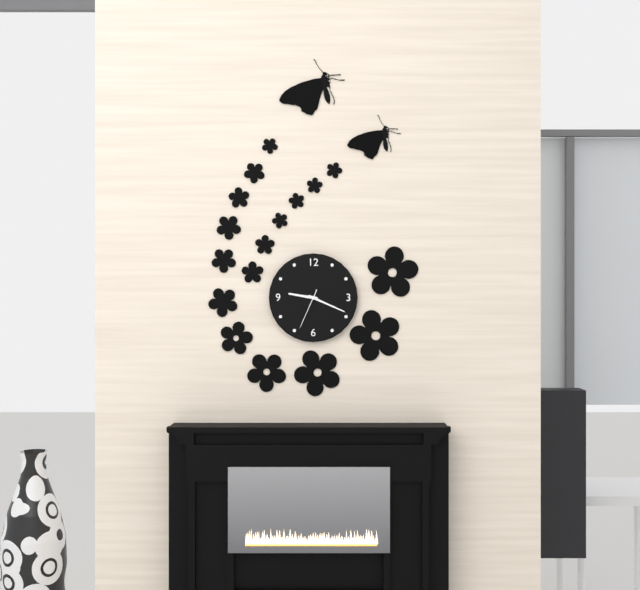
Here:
9,19
